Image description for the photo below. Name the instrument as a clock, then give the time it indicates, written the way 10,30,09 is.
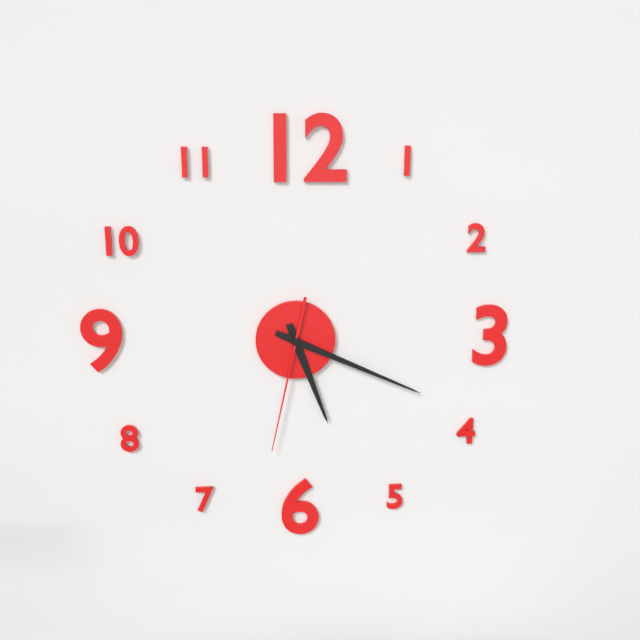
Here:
5,19,32
